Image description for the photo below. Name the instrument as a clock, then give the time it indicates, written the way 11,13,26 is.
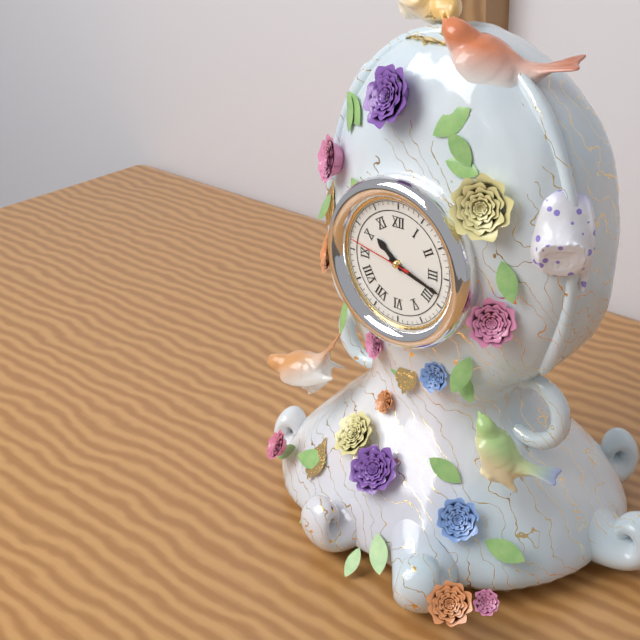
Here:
10,18,47
